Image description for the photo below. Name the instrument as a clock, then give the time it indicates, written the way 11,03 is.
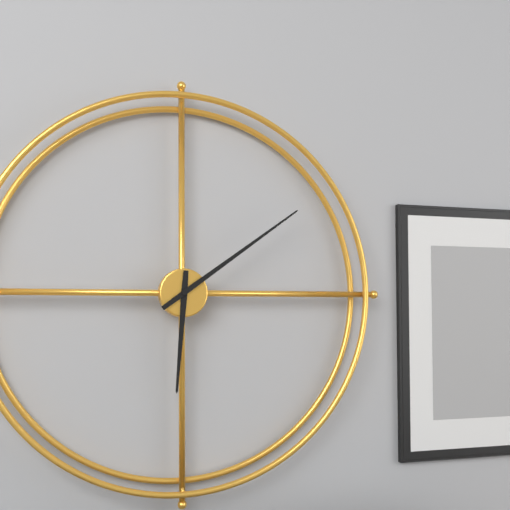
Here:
6,09
